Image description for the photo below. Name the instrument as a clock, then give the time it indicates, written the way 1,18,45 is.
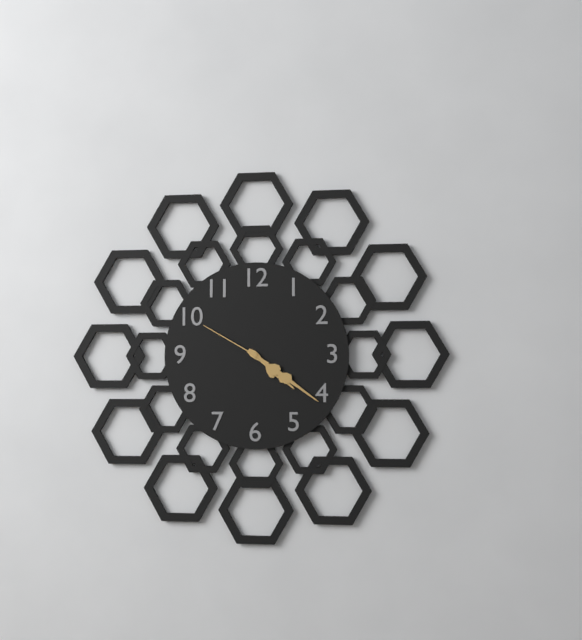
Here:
4,21,50
